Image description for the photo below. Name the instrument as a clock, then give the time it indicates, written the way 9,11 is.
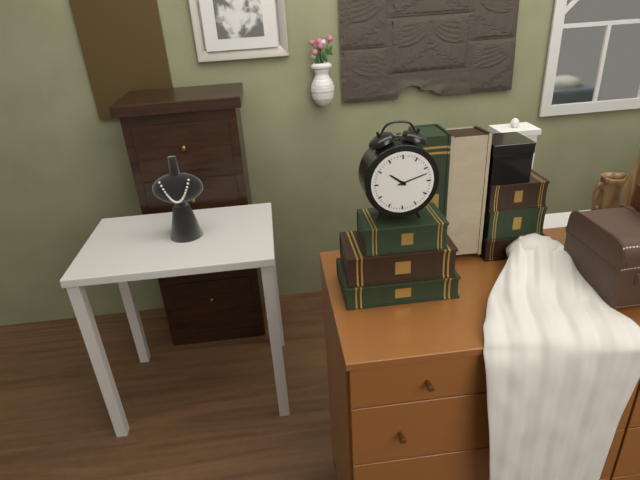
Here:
10,12
